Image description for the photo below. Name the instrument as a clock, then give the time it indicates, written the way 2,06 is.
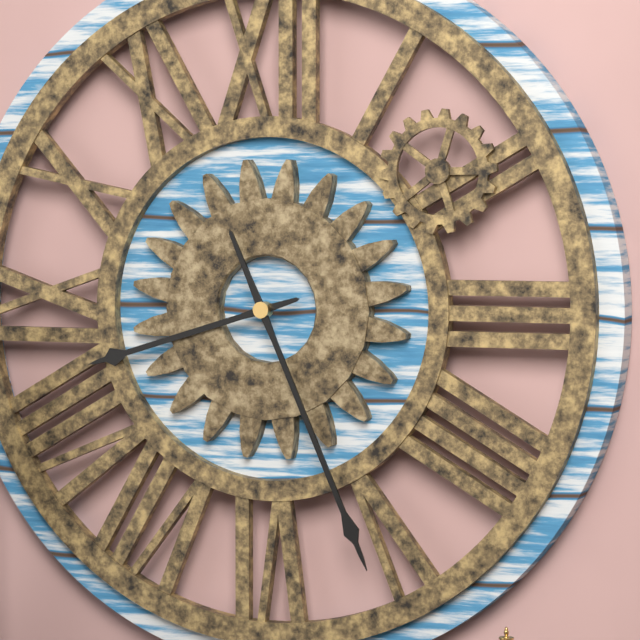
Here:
8,26
